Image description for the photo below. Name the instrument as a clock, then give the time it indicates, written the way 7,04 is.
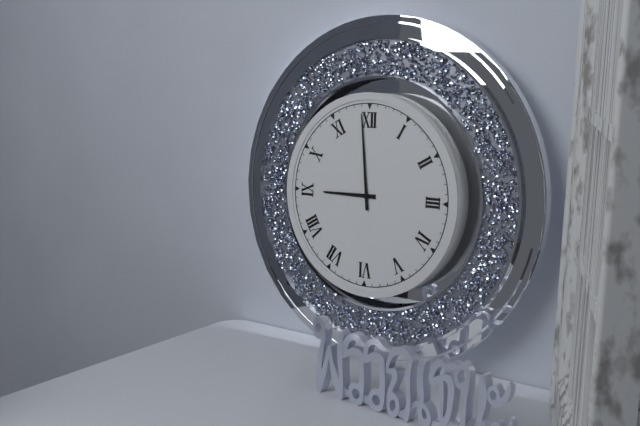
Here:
8,59
